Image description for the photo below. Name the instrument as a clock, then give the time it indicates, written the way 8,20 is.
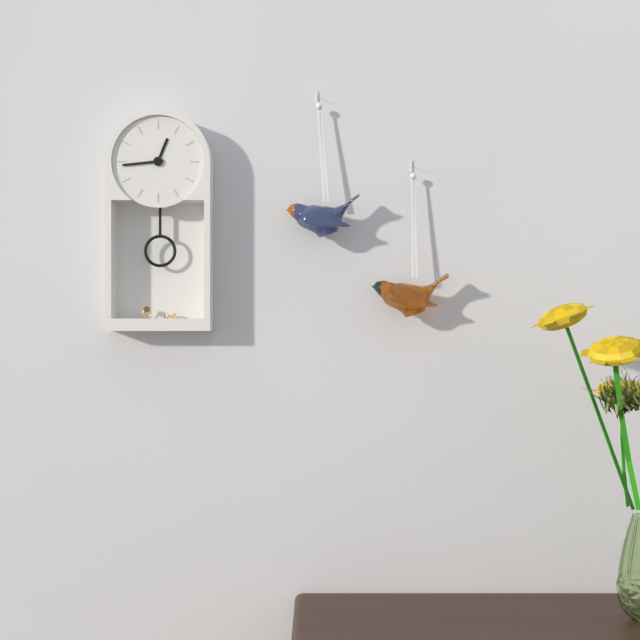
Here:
12,44
